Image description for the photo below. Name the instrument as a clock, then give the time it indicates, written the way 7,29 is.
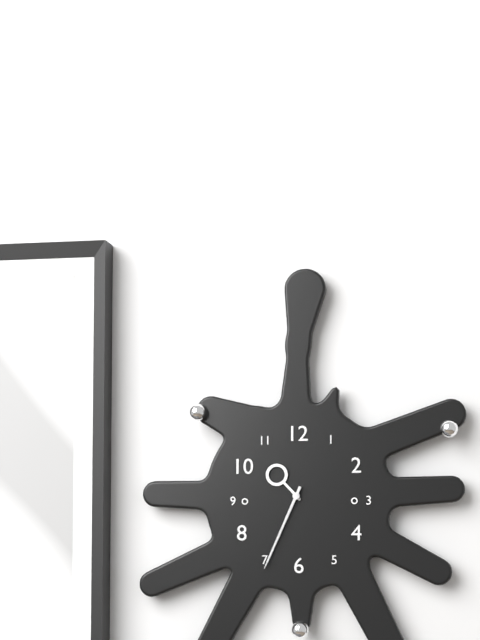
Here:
10,34
